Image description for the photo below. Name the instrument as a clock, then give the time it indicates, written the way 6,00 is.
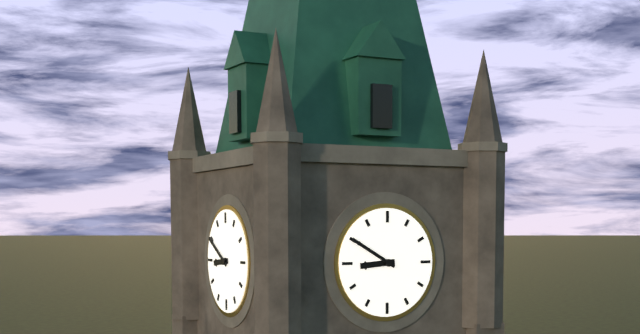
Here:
8,50
